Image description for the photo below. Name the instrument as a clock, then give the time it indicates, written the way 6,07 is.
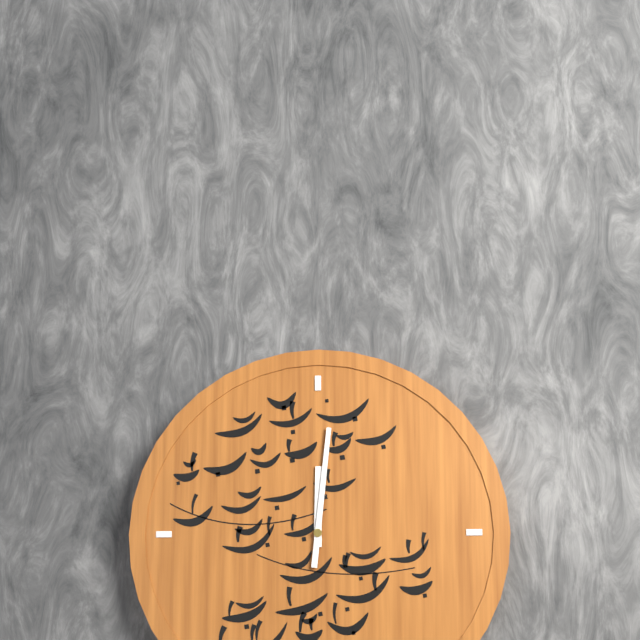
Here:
12,01
